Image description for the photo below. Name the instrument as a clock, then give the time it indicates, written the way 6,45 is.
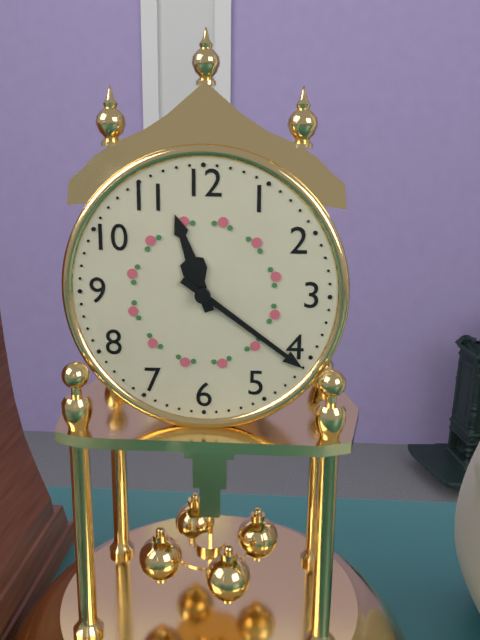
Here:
11,21
